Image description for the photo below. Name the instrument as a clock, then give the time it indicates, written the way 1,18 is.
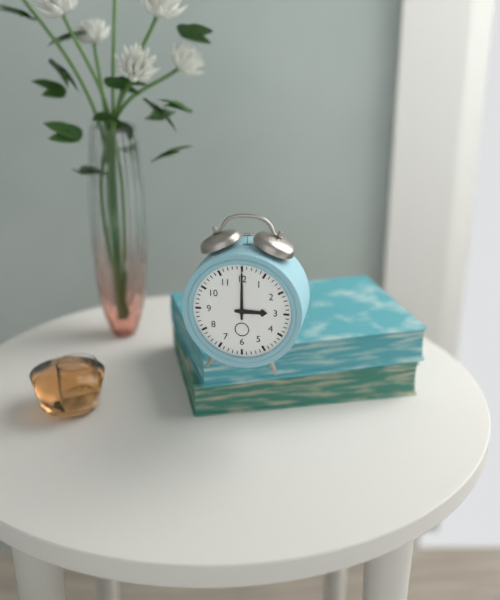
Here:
3,00
